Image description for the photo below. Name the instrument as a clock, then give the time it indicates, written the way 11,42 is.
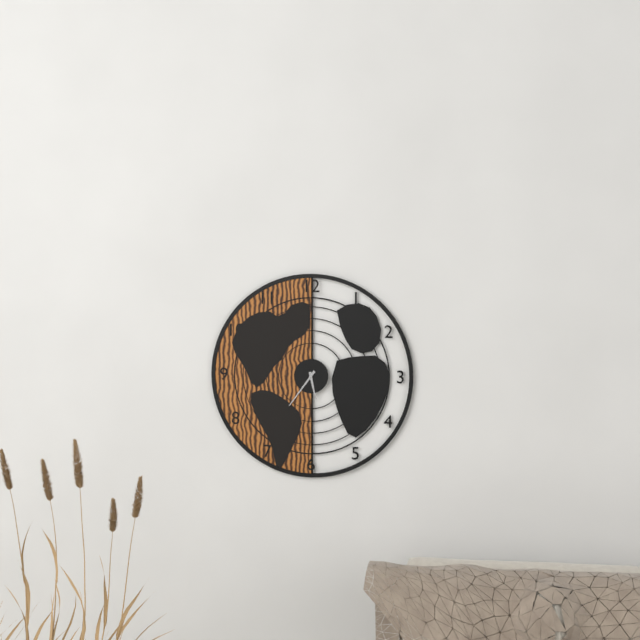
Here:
5,36
